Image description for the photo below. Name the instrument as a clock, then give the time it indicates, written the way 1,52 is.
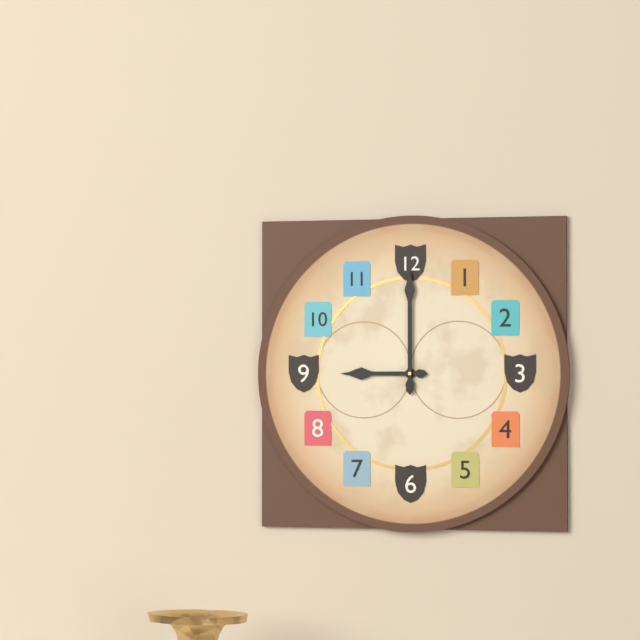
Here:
9,00
